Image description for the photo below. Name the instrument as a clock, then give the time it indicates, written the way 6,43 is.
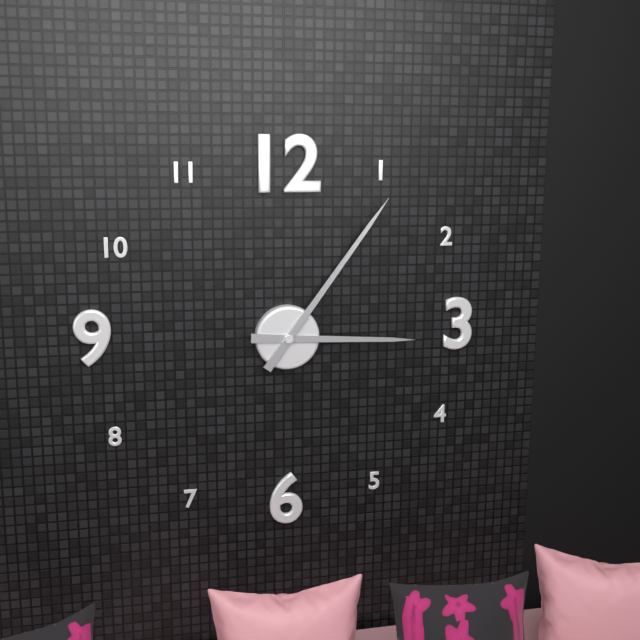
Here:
3,06
